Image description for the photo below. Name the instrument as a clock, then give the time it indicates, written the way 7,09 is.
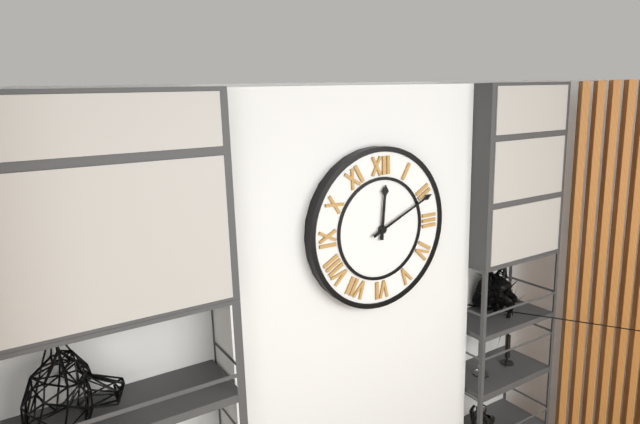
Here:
12,11
